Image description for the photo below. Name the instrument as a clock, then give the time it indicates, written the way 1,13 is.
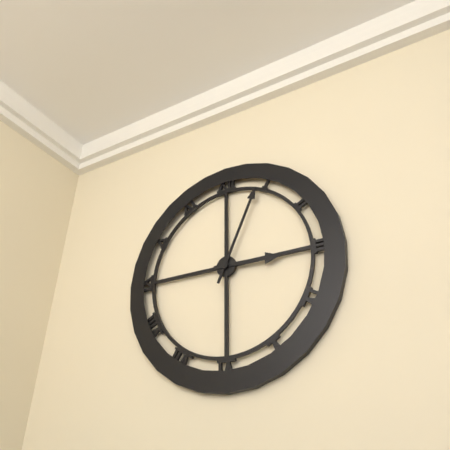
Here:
3,04
